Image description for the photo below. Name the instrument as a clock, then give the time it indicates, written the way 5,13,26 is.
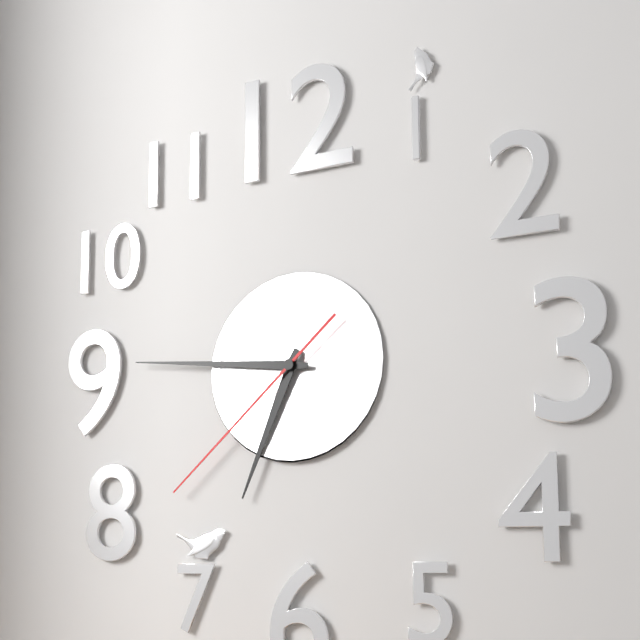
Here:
6,46,38
